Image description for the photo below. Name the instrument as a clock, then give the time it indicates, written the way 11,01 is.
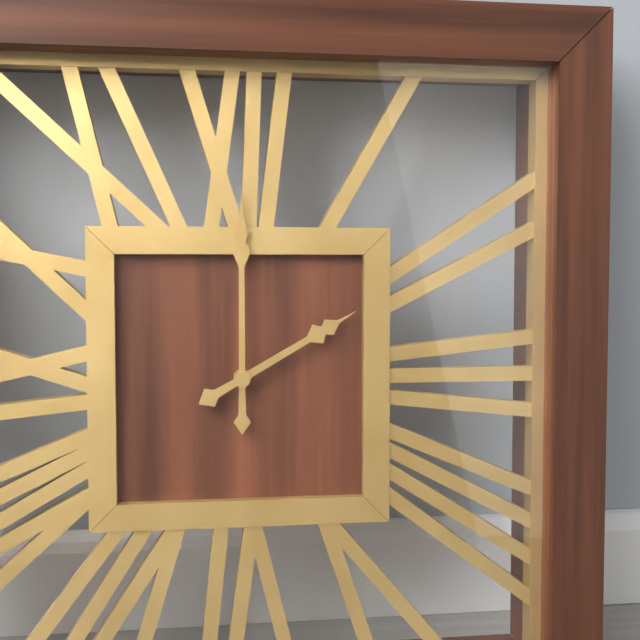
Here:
2,00
